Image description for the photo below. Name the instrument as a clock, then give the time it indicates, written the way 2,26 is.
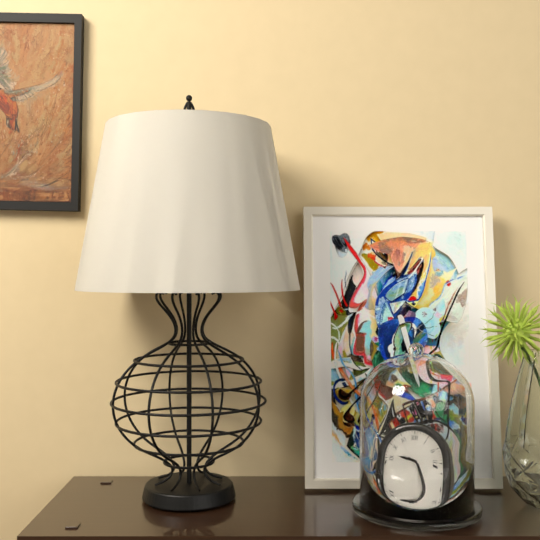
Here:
9,20
